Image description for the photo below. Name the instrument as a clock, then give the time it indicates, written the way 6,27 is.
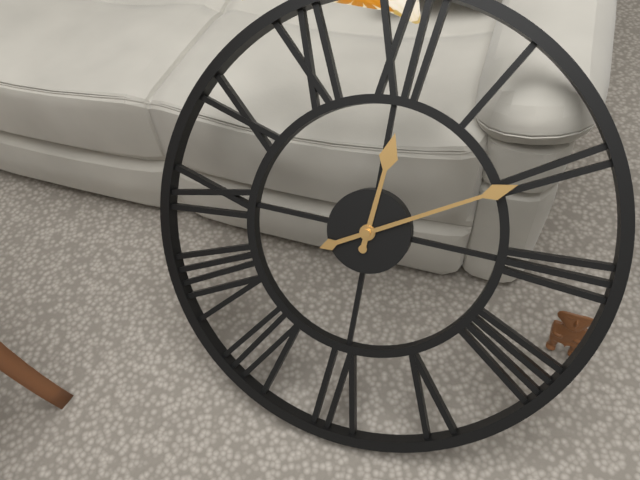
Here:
12,10
